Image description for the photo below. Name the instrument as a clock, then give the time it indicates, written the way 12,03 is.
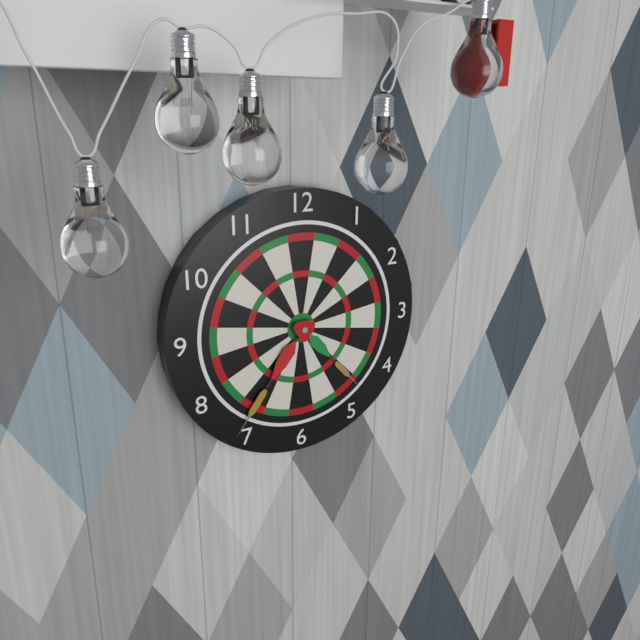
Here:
4,36
